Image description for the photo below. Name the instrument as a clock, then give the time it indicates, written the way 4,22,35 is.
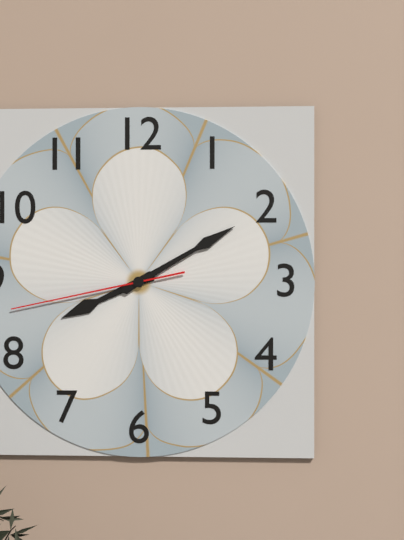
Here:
8,10,43
